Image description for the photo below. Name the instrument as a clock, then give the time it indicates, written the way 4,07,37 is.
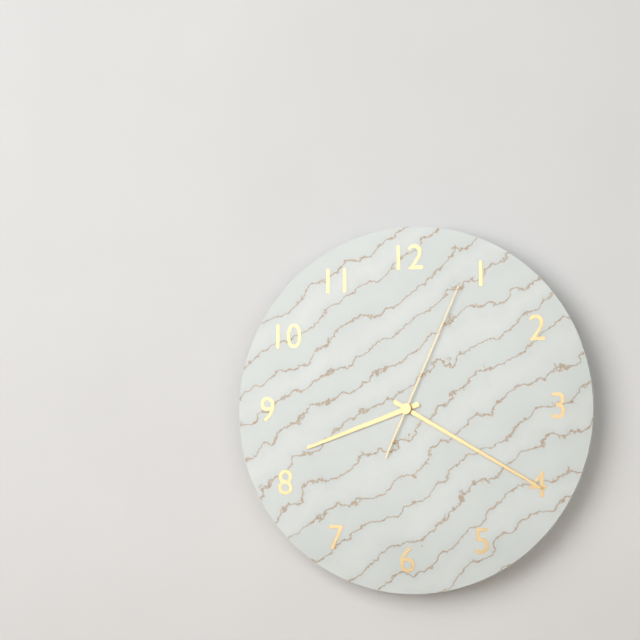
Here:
8,20,04
